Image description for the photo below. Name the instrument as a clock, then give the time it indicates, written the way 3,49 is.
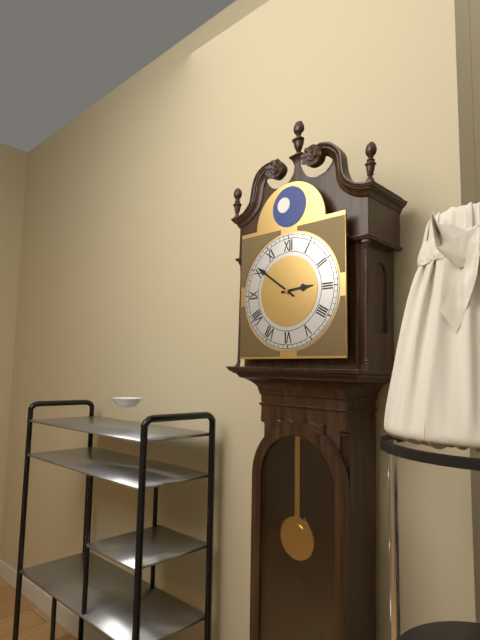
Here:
2,51
